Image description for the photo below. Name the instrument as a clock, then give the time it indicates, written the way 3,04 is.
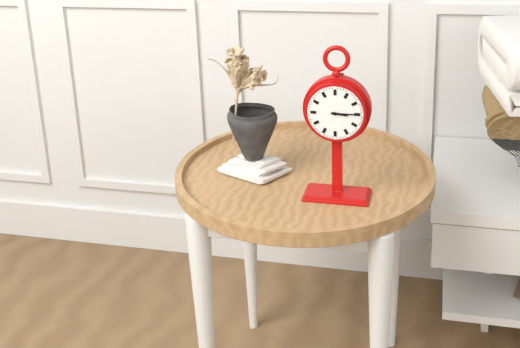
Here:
3,15
